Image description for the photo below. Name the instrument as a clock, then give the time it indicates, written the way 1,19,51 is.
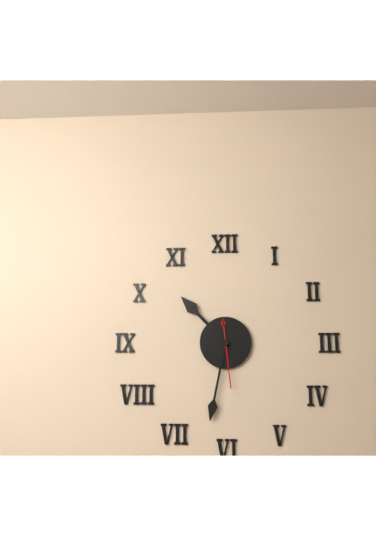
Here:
10,32,29
